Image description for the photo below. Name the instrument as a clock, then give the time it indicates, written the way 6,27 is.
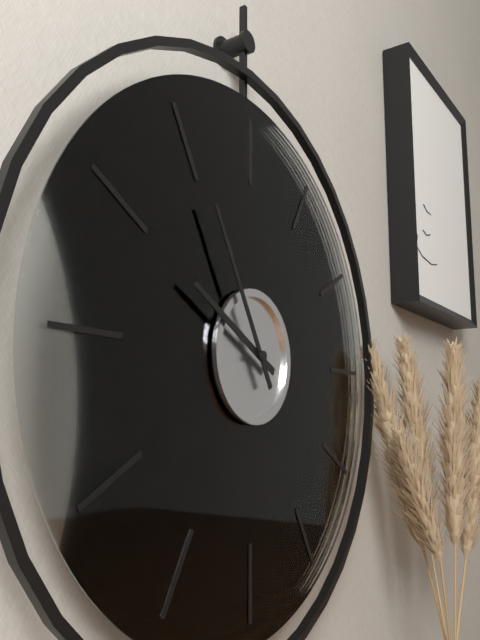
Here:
9,55
